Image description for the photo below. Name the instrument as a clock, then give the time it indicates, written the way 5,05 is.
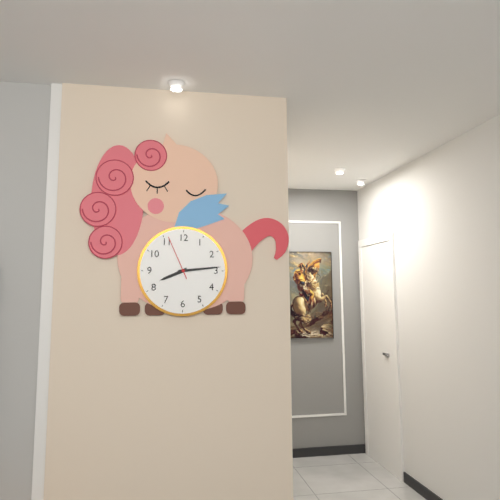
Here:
8,14
